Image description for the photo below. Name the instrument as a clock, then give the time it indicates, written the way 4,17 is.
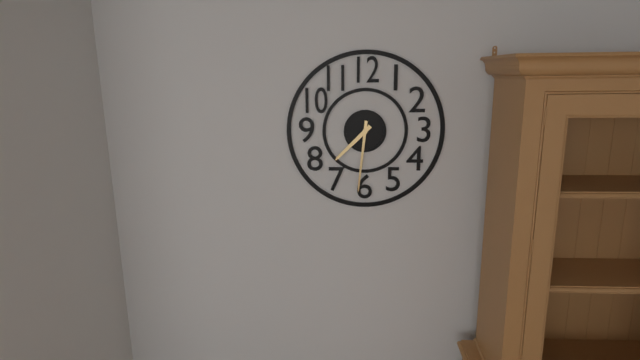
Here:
7,31
